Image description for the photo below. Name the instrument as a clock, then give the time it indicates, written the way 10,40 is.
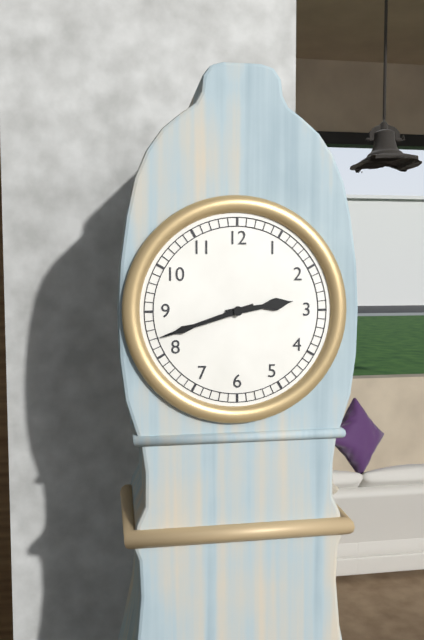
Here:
2,42
